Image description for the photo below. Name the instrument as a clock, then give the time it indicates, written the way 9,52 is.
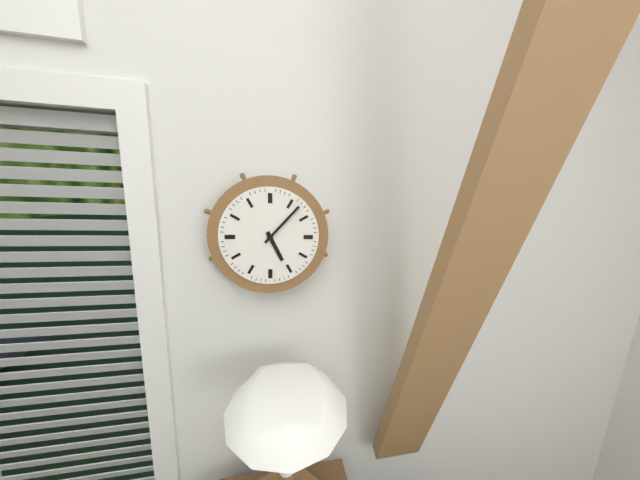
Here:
5,07
